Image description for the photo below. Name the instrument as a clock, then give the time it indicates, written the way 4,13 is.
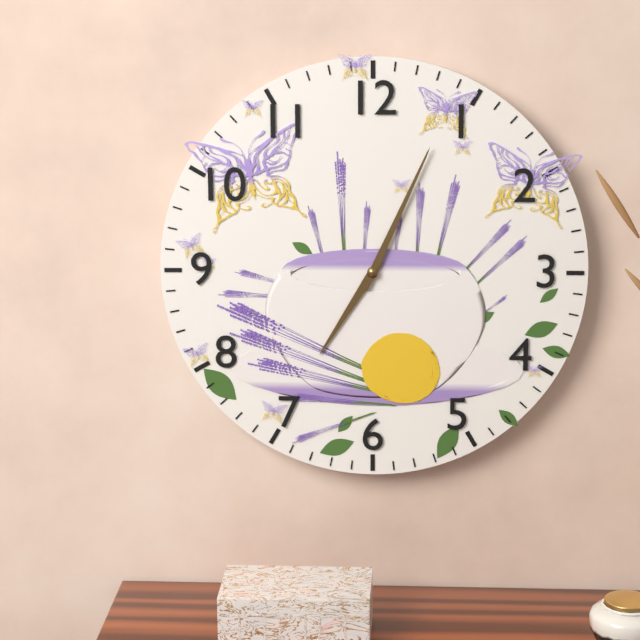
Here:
7,04
